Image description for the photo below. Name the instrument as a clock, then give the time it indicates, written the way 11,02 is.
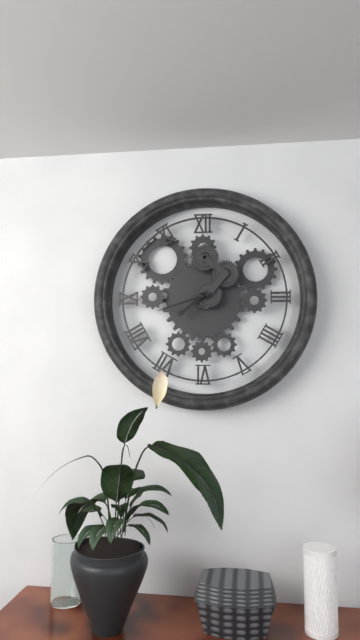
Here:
7,42
